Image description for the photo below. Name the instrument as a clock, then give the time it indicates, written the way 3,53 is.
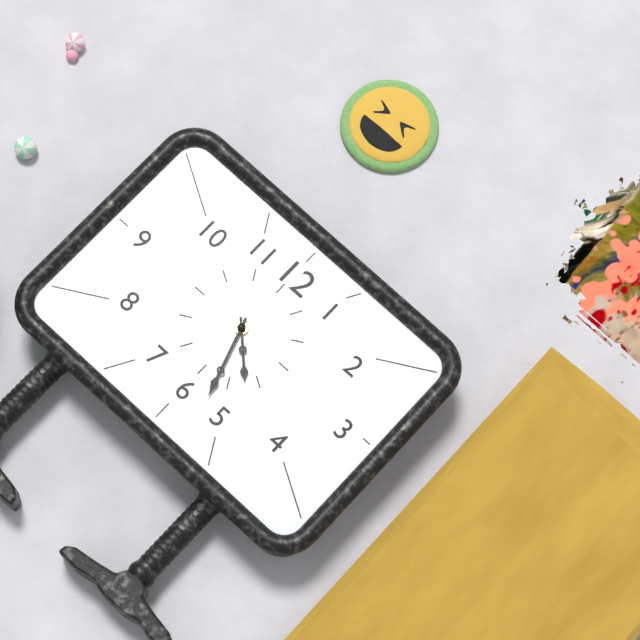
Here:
4,27
